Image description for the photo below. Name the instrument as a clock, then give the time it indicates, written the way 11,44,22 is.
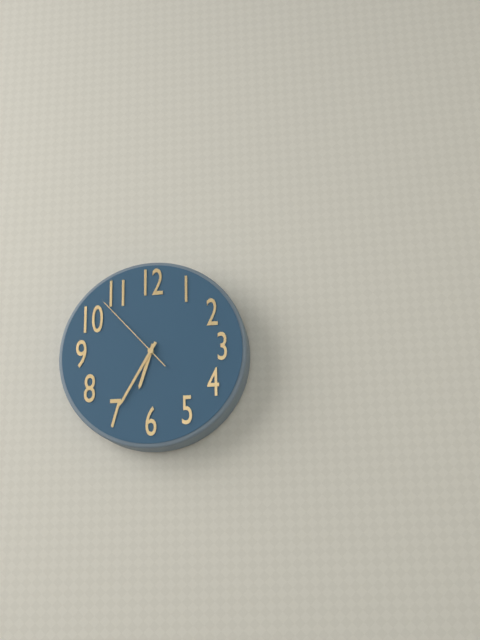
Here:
6,35,53
